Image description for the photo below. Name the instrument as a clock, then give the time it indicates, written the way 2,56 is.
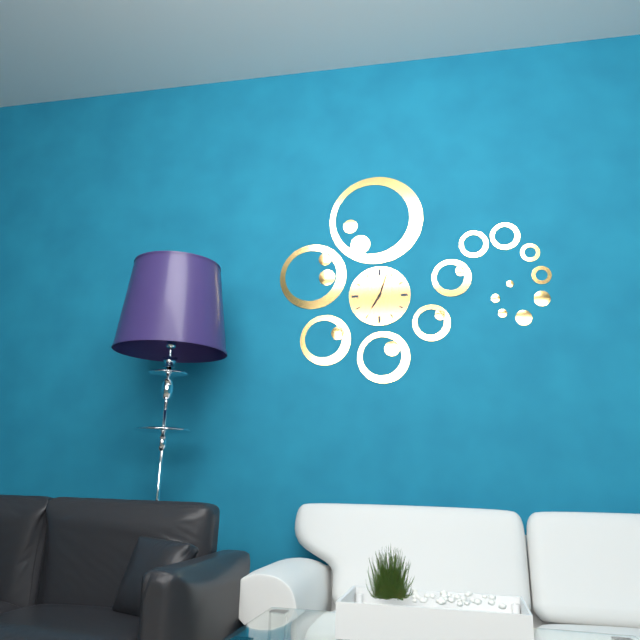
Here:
7,03
